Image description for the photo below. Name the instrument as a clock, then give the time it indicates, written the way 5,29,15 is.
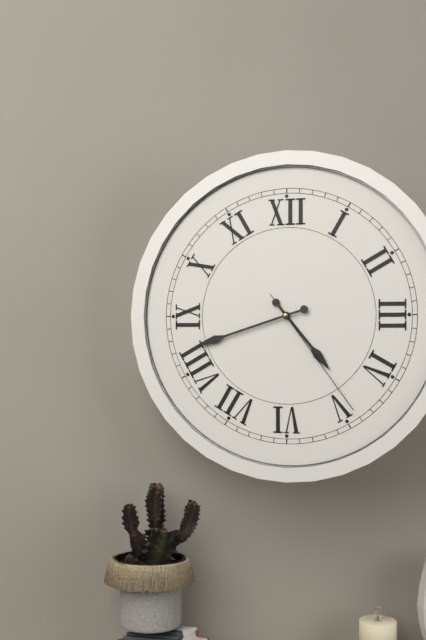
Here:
4,42,24
